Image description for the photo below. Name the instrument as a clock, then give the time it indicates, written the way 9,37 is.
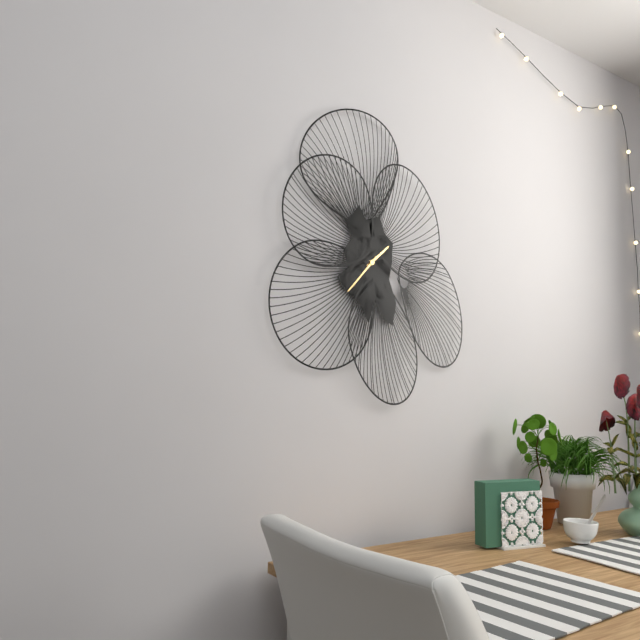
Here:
1,37
